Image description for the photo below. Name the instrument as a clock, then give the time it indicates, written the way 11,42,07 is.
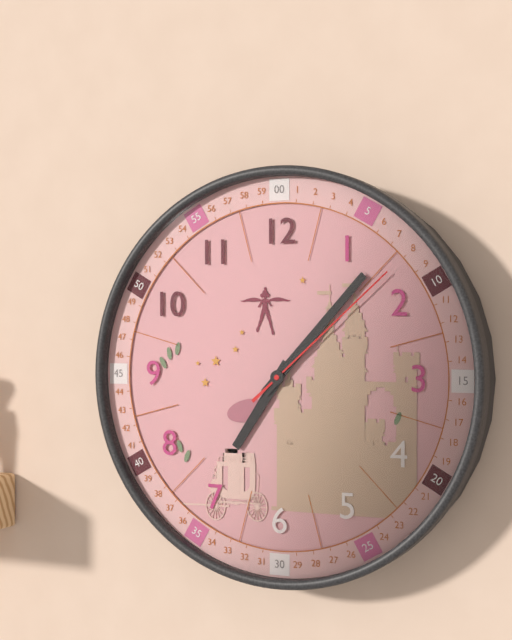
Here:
7,07,08
